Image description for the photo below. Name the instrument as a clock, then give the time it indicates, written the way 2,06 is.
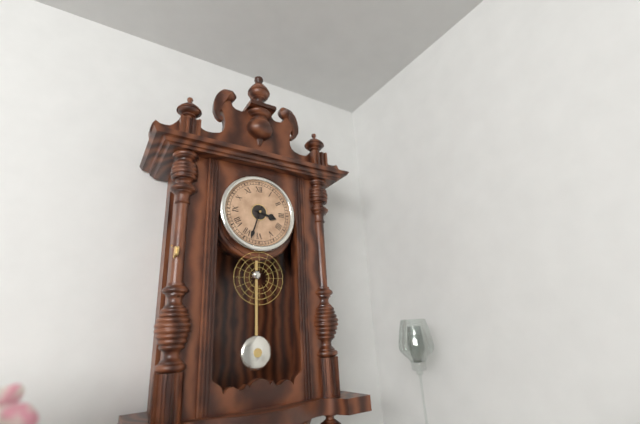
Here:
3,33
